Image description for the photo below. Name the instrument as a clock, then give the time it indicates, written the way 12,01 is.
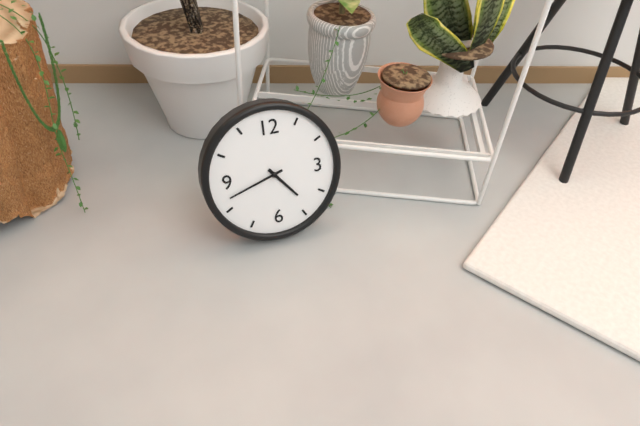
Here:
4,42
